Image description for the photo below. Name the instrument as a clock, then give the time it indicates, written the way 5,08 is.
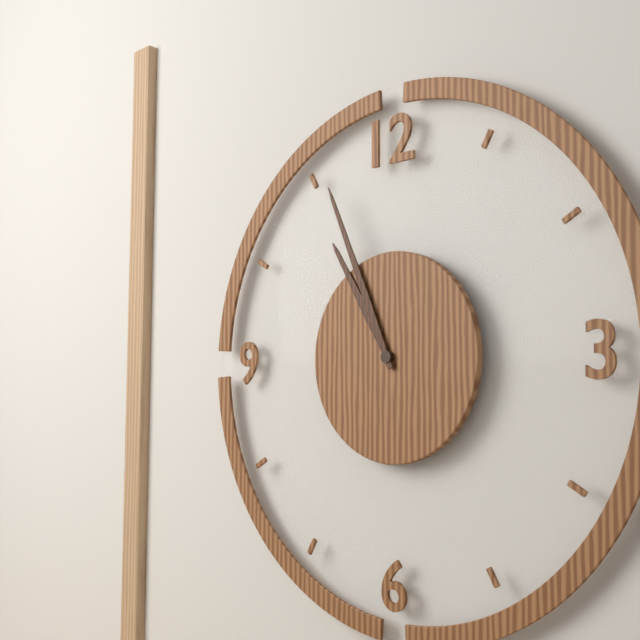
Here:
10,56
